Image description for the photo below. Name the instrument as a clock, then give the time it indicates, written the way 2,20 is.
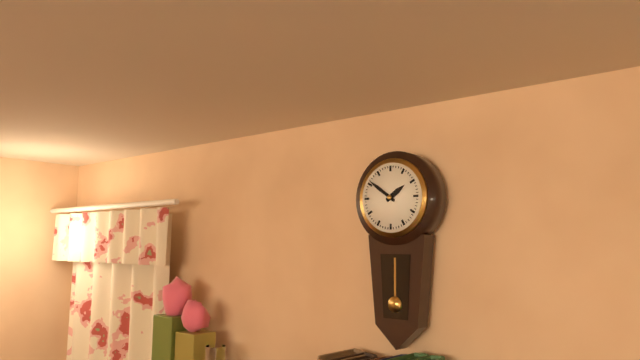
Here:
1,51
